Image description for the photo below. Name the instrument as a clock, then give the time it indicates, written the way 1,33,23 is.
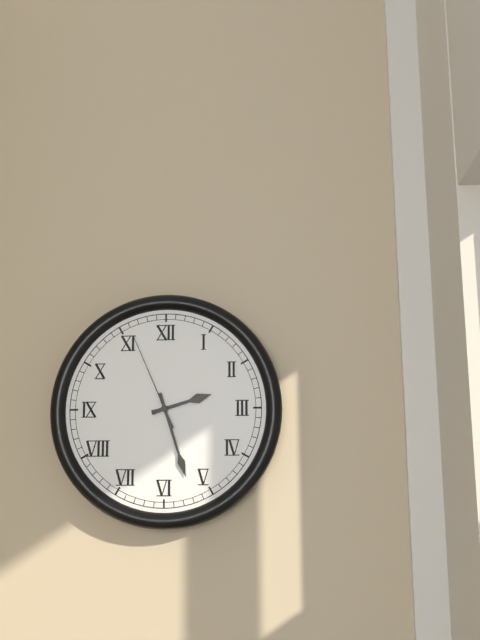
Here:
2,27,56
